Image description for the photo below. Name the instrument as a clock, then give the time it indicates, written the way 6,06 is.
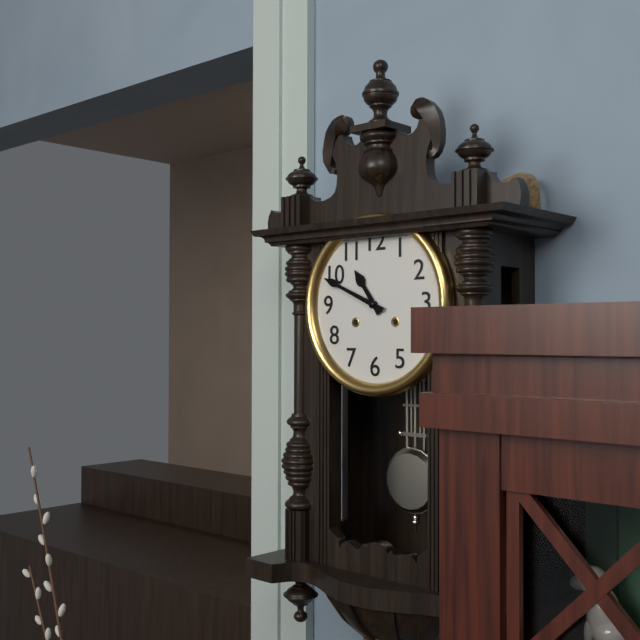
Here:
10,49
